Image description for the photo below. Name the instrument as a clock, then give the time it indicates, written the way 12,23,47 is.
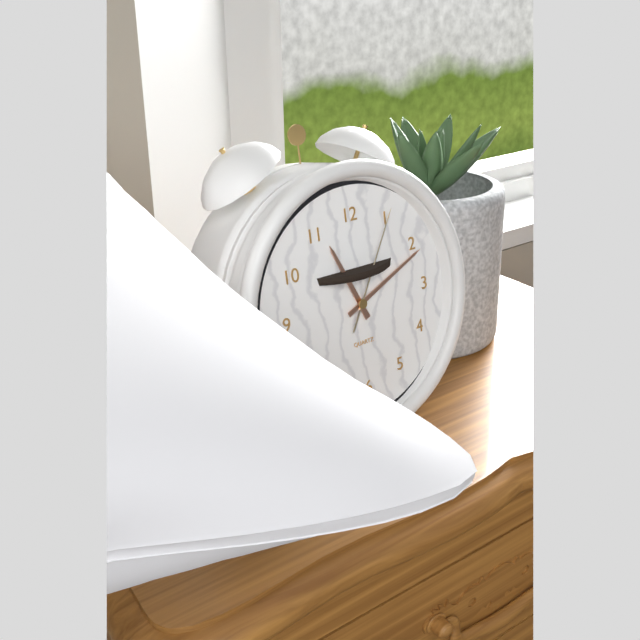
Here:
11,11,05
